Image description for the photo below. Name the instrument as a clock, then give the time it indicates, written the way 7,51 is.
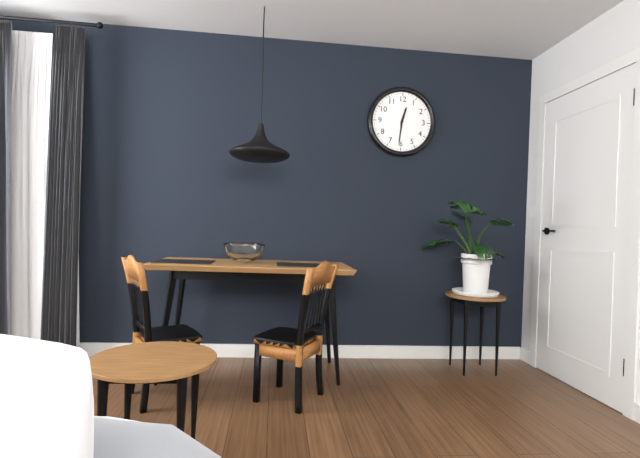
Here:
12,31
